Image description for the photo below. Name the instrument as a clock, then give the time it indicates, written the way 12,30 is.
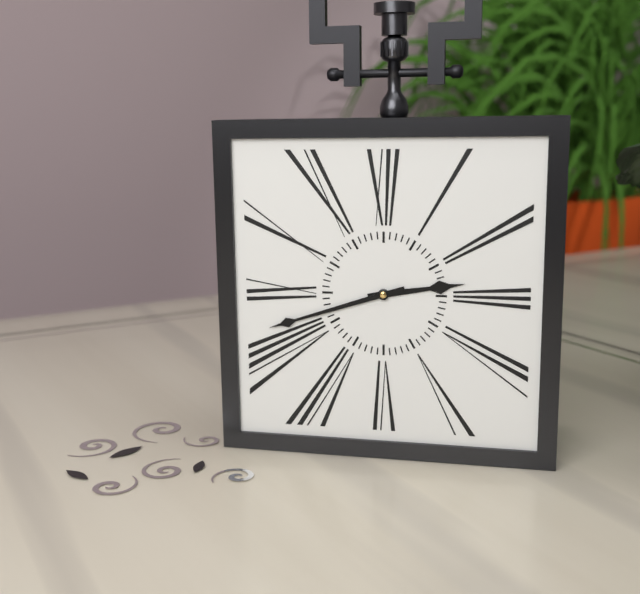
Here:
2,42
